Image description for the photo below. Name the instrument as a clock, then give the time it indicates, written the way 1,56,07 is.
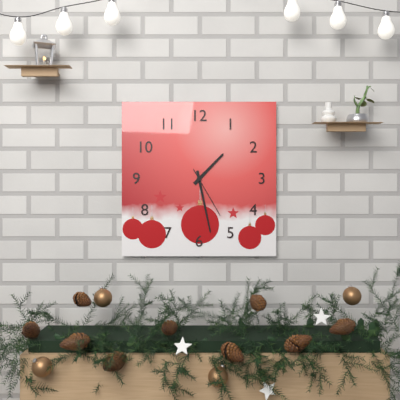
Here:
1,28,25
